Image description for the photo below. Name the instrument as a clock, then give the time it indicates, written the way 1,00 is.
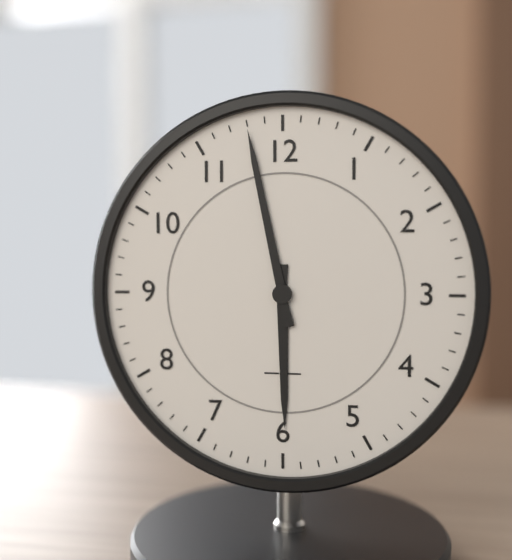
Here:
5,58
